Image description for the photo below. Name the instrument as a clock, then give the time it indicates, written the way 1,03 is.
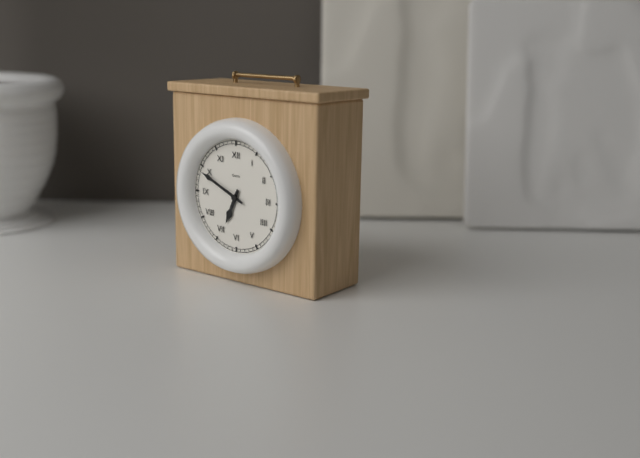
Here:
6,49
